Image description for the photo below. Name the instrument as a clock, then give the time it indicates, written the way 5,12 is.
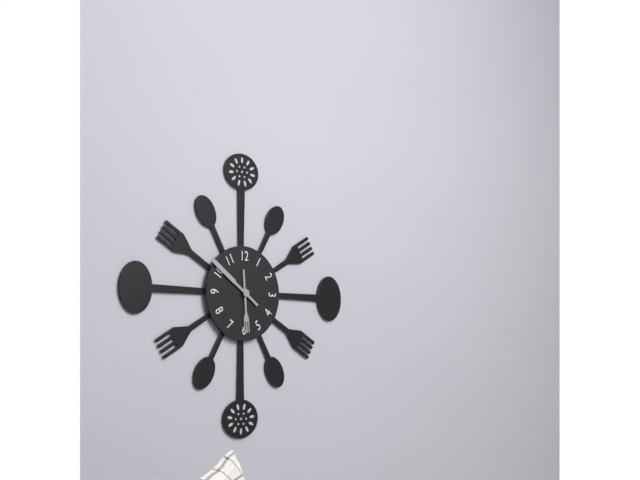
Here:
5,51
